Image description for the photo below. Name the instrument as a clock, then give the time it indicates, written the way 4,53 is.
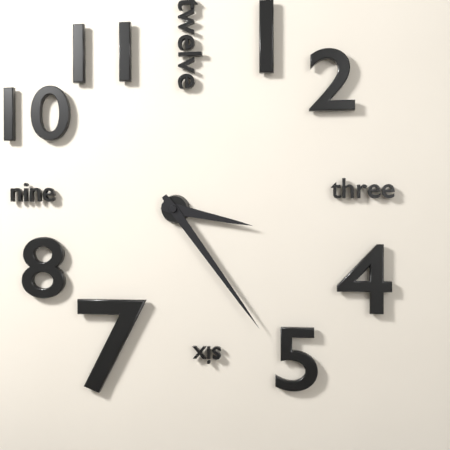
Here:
3,24
